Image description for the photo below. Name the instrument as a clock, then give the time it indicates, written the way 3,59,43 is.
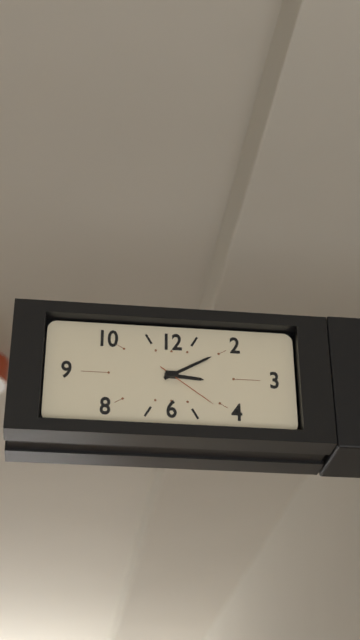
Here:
3,10,21
